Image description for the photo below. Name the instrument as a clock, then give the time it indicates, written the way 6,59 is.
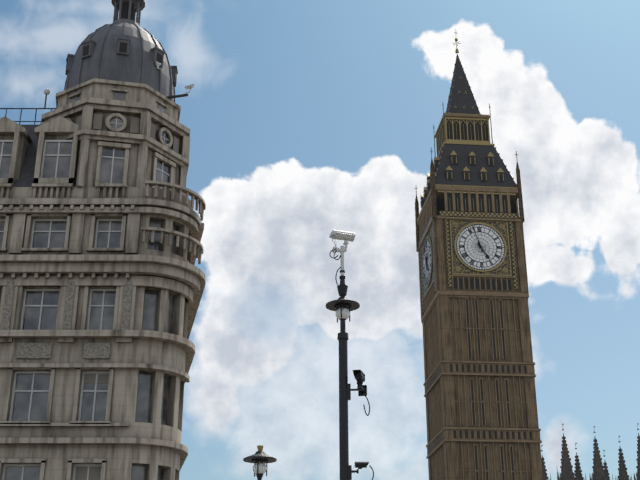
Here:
4,57
